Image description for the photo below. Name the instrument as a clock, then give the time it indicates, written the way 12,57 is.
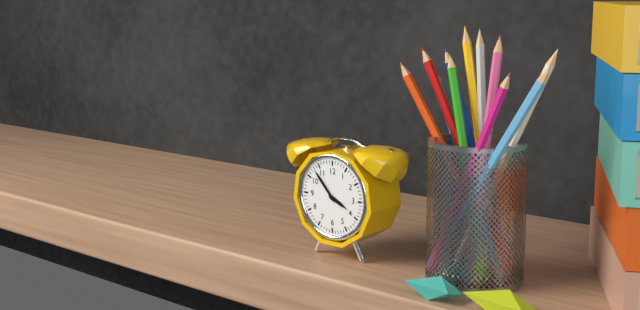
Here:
3,53
